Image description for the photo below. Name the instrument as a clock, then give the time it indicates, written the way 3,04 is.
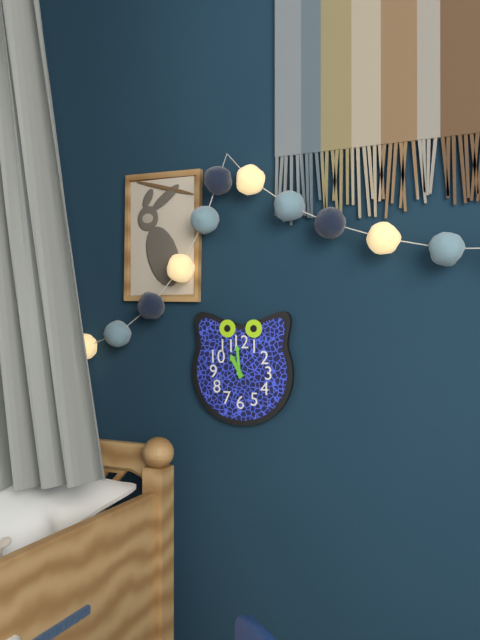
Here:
10,59
